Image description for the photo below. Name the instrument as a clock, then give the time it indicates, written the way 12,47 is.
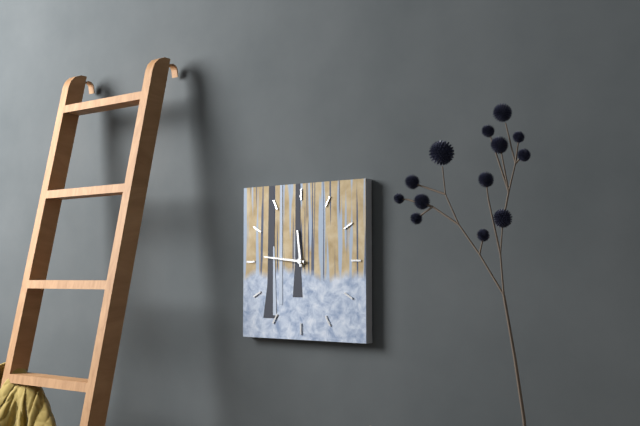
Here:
11,46
